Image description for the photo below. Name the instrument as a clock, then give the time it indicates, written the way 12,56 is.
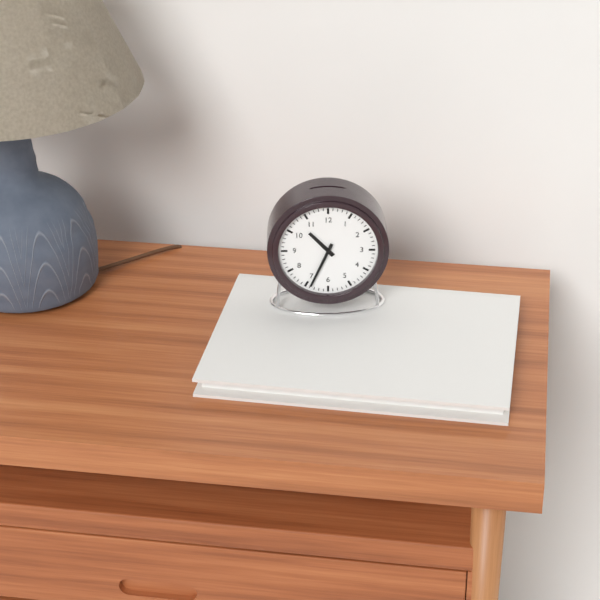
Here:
10,34
